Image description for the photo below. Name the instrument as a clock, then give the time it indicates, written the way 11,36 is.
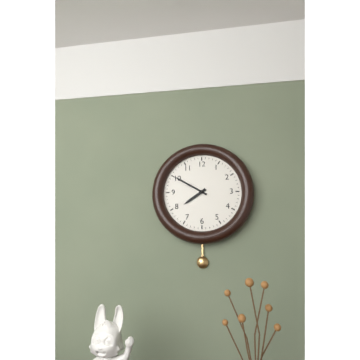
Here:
7,50
